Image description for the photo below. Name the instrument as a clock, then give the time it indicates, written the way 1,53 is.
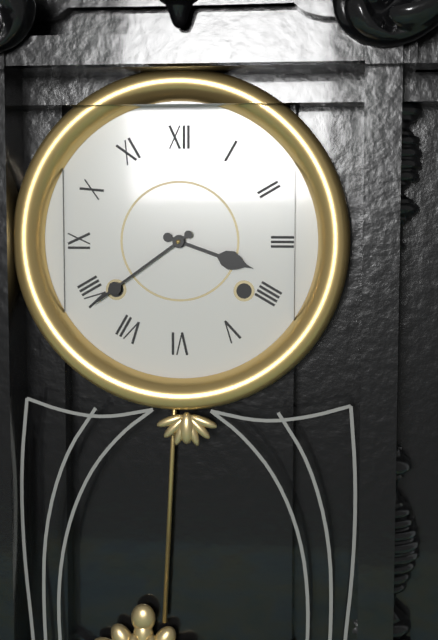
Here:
3,39
